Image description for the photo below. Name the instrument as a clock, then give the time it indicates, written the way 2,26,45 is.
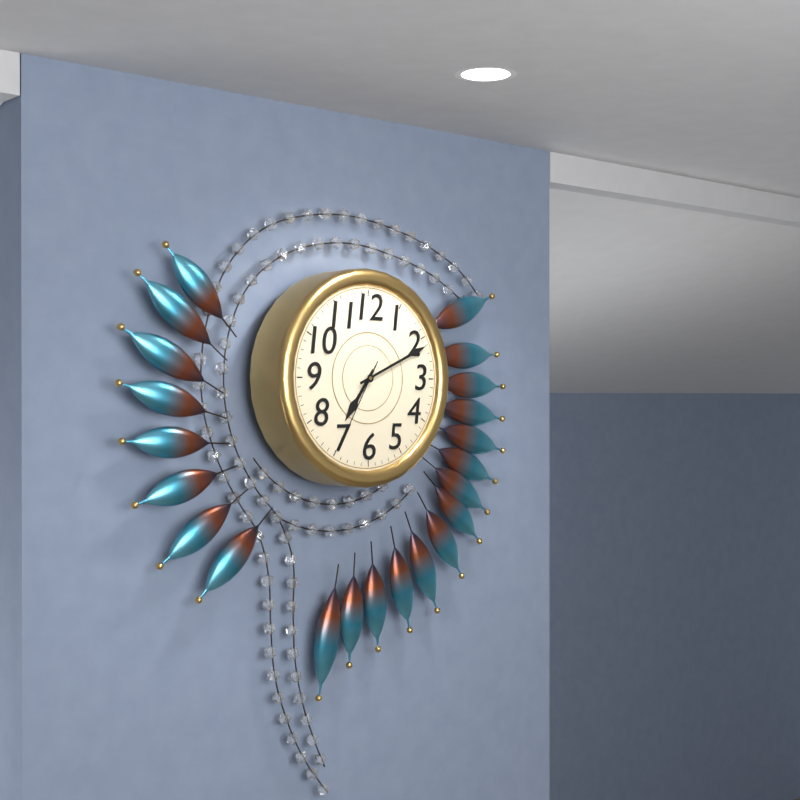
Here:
7,11,35
